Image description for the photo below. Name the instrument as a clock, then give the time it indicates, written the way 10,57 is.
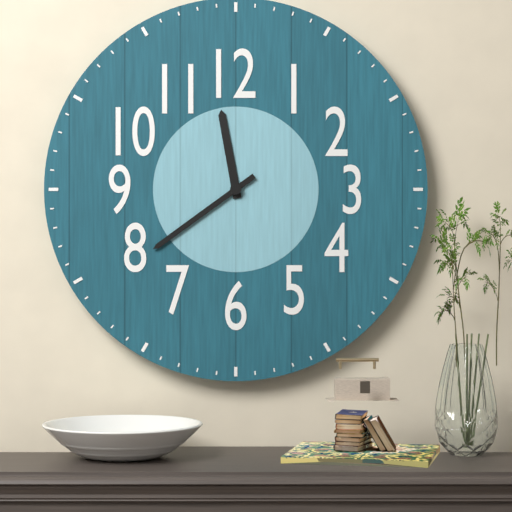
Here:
11,39
